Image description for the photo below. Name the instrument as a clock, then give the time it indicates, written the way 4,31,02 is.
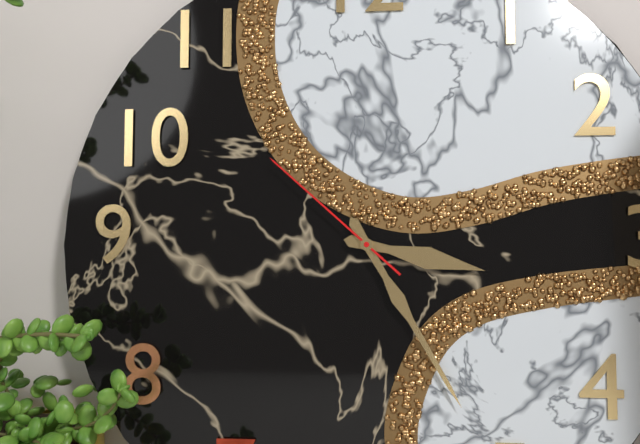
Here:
3,25,52
